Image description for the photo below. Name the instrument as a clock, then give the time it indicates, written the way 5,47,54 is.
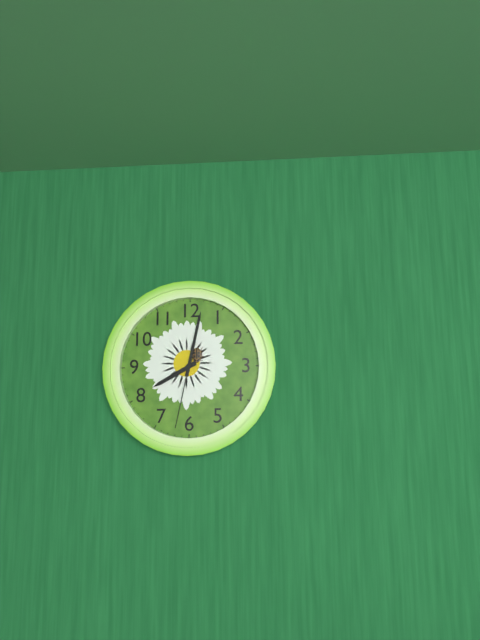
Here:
8,02,32
